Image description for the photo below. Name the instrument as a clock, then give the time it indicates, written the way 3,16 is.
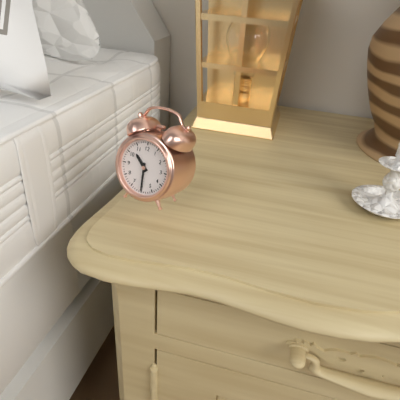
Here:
10,30
